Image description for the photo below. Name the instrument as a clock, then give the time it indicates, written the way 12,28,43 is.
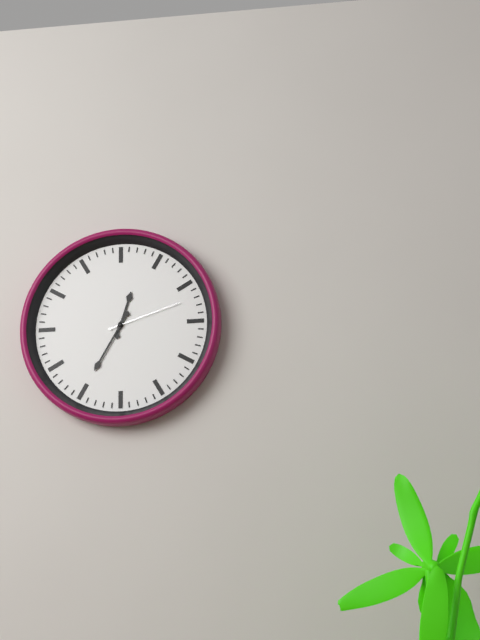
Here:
12,35,12
